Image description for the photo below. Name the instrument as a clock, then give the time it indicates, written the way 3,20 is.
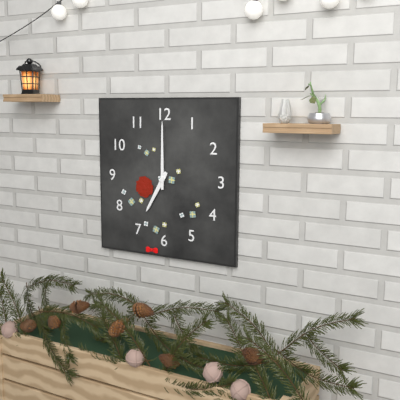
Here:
7,00
